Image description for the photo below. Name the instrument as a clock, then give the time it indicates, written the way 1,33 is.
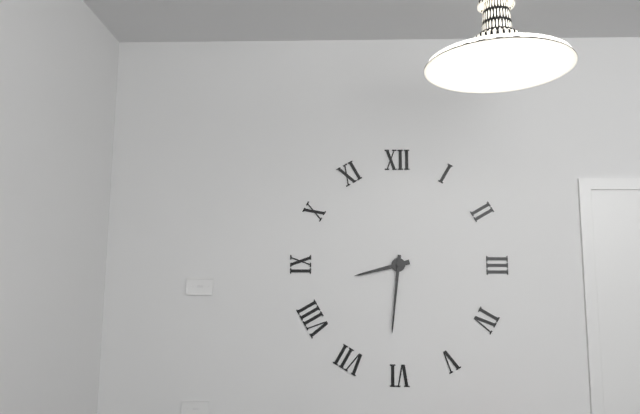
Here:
8,31
